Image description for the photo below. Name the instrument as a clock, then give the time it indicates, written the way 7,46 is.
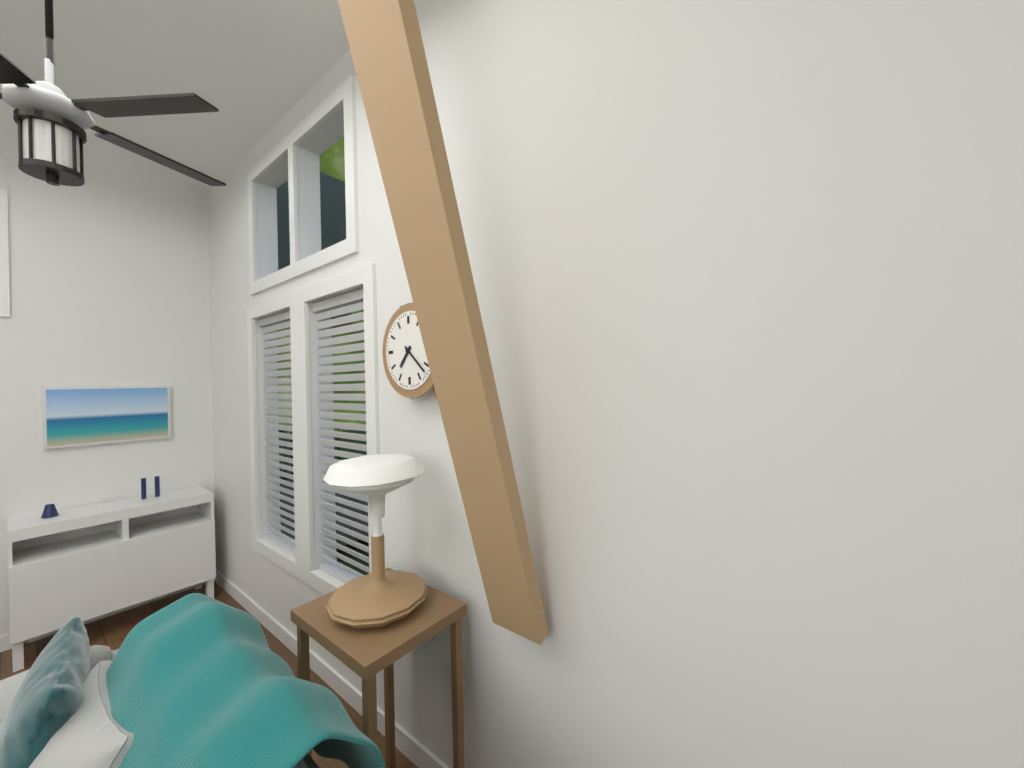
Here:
7,22
